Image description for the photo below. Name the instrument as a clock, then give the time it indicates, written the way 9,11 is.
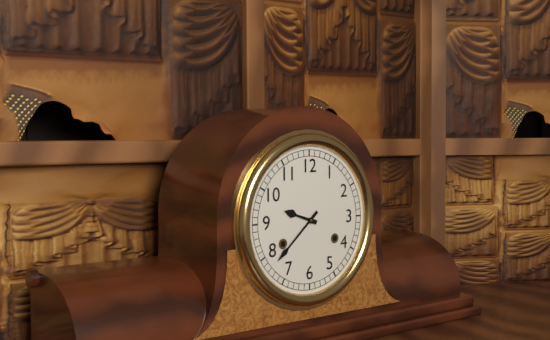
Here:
9,38
